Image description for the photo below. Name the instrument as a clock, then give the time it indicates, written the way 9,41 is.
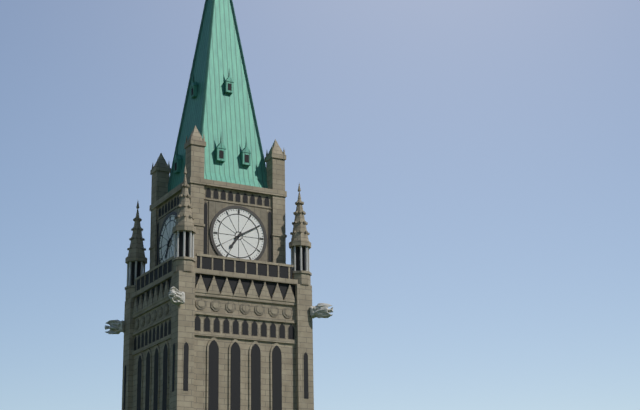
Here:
7,10
